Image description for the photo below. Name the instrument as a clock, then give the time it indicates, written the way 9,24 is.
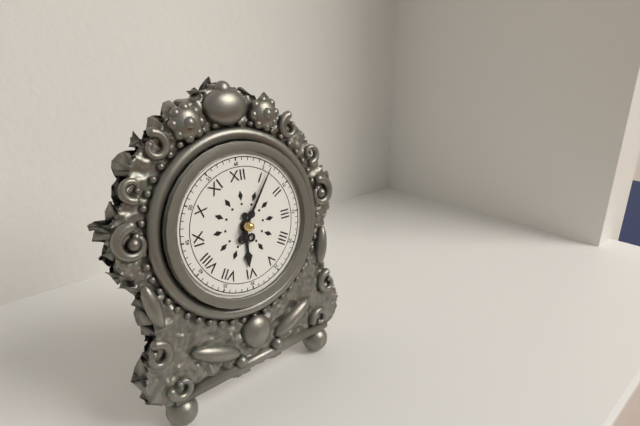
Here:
6,06
